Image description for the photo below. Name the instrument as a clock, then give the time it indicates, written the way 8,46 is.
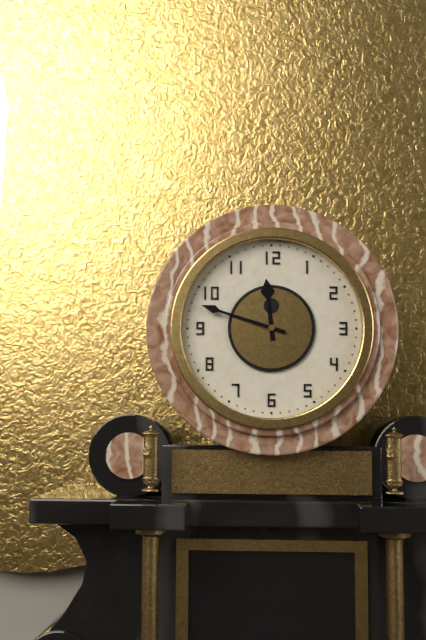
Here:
11,48
